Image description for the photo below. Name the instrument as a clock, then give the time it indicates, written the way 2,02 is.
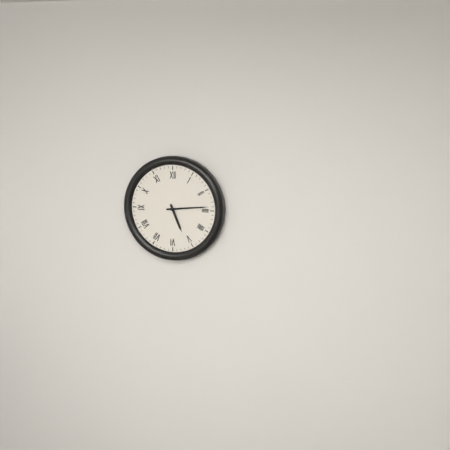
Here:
5,14
